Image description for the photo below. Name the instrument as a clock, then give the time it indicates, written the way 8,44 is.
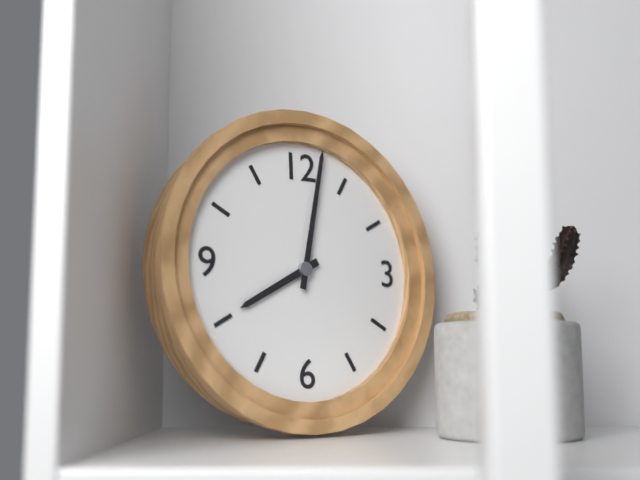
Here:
8,02
